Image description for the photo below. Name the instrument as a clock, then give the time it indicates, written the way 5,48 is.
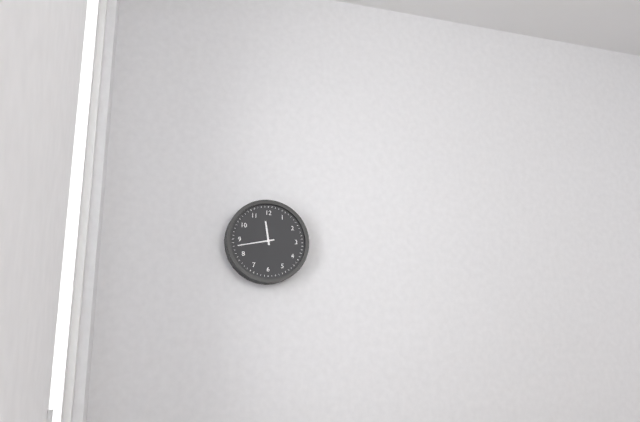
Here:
11,43
